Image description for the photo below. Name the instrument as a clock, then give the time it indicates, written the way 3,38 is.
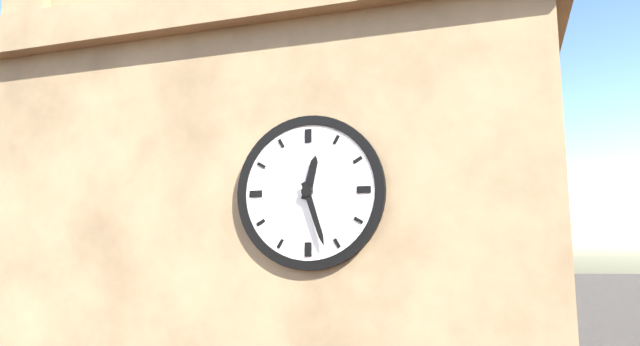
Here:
12,27
